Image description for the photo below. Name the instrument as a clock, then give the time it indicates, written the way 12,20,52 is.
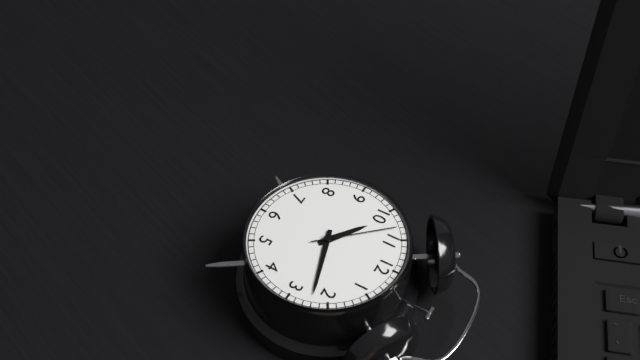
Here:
10,12,53
